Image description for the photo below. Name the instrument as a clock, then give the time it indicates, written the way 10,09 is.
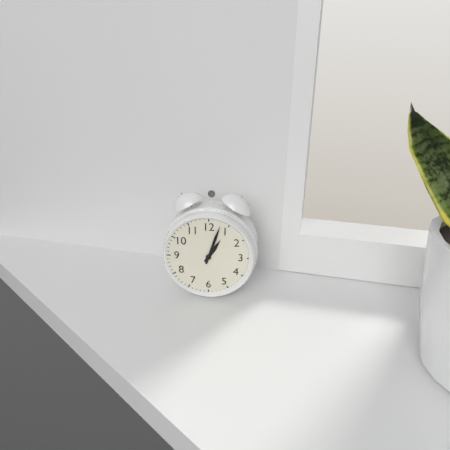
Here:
1,03
